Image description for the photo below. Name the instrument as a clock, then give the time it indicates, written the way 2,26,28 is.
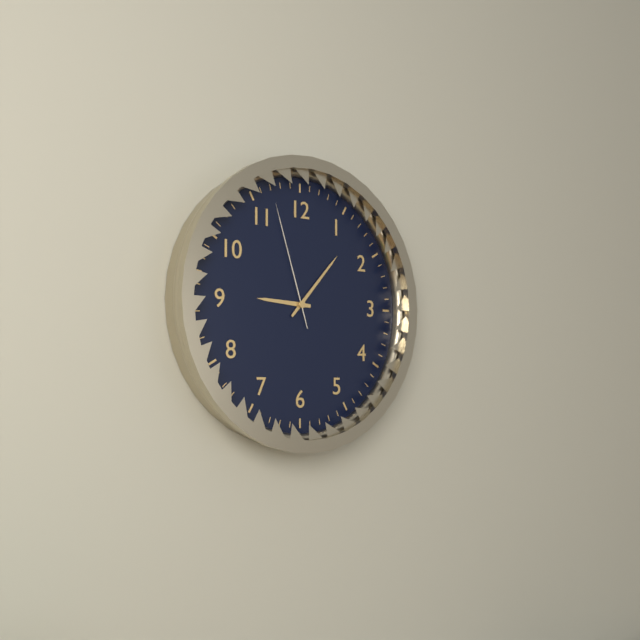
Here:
9,07,57
